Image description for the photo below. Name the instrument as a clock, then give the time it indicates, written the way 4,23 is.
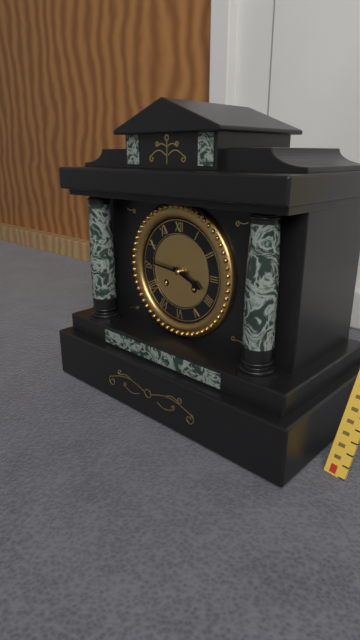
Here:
3,46
